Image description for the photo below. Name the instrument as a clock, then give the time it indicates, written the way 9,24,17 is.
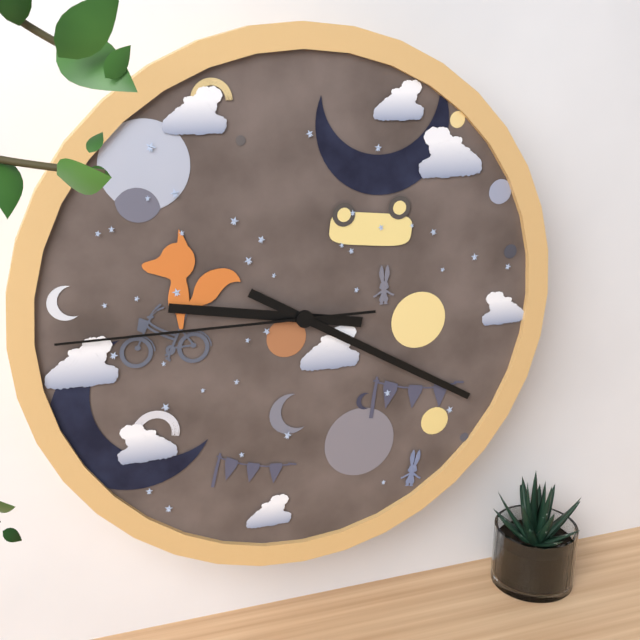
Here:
9,20,45
